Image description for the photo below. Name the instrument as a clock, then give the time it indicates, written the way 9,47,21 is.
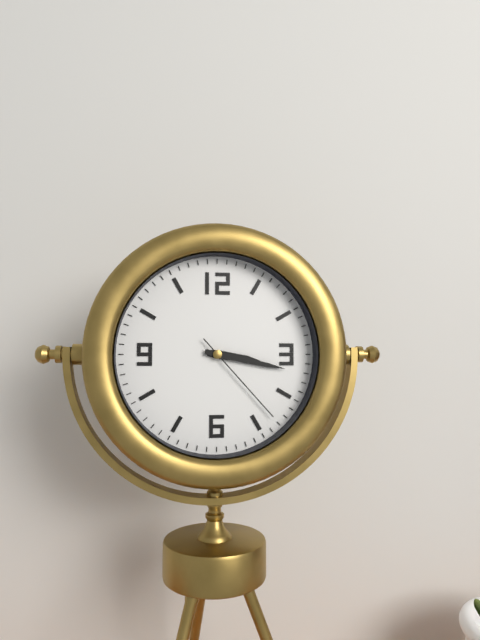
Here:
3,17,23
